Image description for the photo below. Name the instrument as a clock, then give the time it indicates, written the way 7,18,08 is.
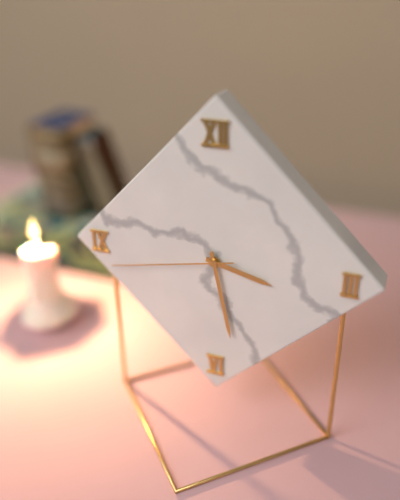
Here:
3,28,43
